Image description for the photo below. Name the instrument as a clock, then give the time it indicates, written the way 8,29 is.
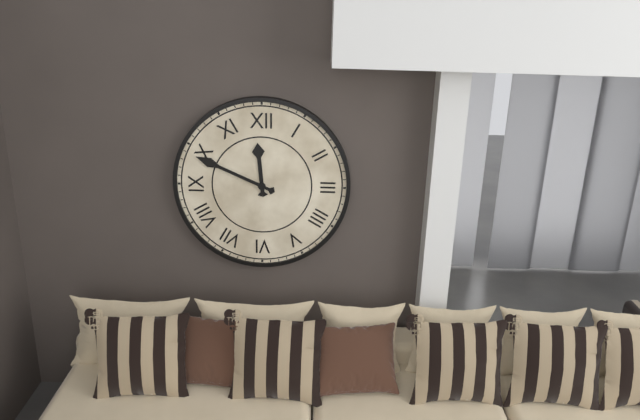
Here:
11,49
